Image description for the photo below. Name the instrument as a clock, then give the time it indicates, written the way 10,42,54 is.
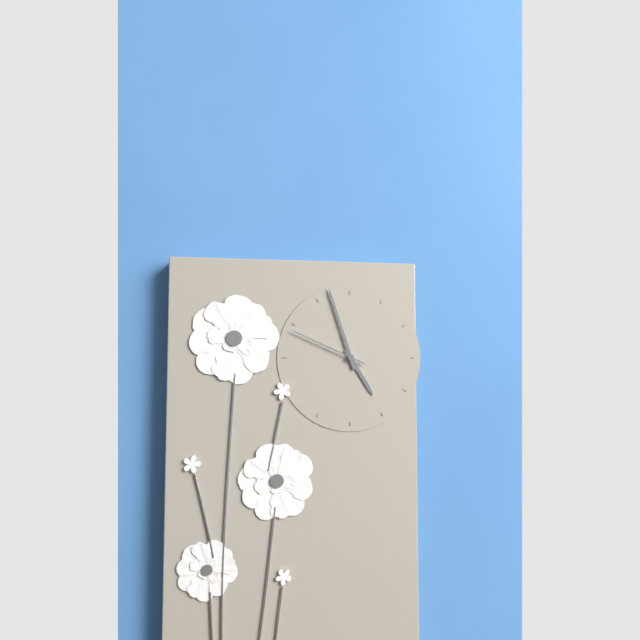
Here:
4,57,49
